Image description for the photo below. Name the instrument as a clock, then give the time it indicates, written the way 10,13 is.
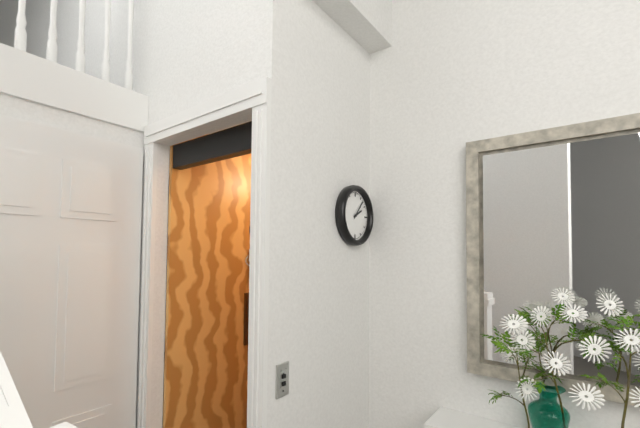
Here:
2,07
